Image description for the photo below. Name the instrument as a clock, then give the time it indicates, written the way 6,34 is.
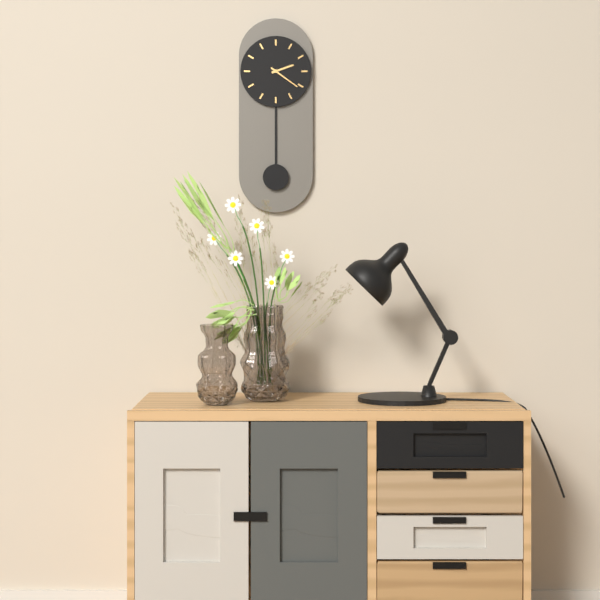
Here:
2,21
